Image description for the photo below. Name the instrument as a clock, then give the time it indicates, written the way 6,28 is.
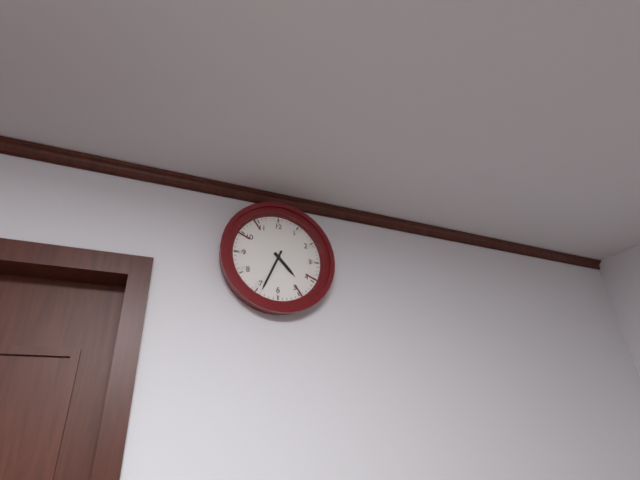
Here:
4,34
